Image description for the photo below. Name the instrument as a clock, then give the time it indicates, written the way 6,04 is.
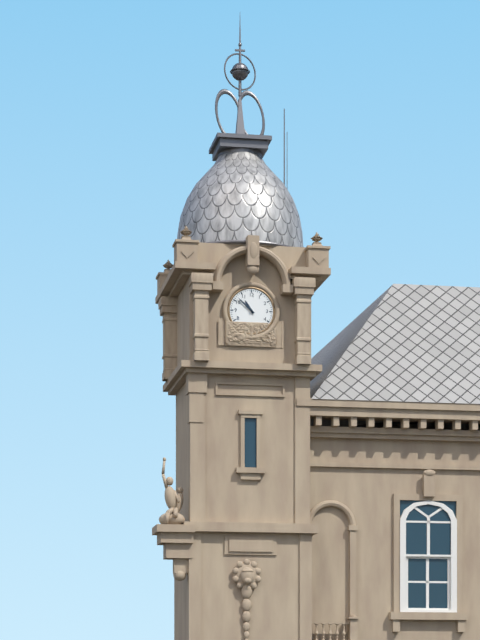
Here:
10,52
